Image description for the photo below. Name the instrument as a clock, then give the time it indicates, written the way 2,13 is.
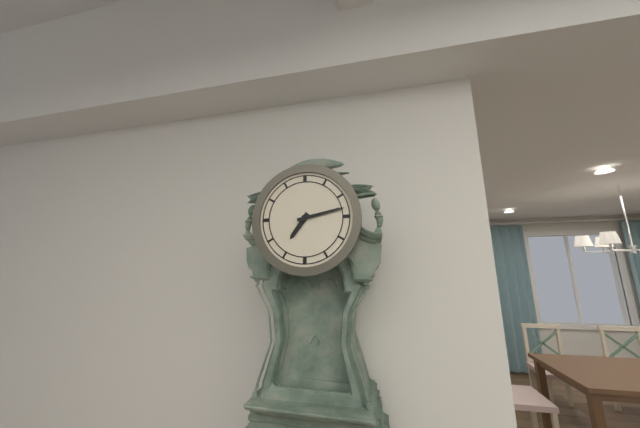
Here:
7,13
